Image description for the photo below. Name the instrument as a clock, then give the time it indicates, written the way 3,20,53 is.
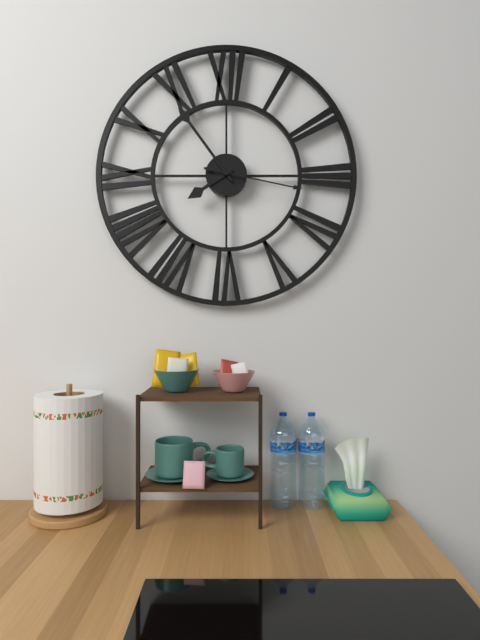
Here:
7,54,17
